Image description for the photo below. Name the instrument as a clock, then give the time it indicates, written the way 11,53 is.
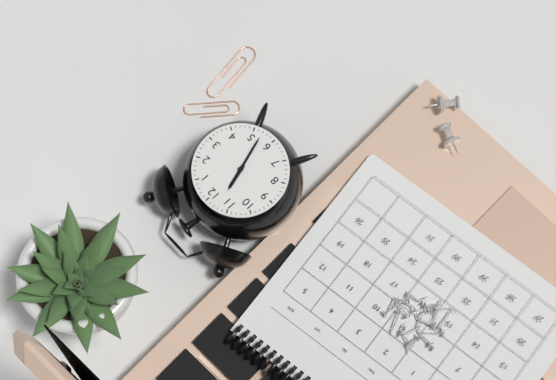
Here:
11,27
